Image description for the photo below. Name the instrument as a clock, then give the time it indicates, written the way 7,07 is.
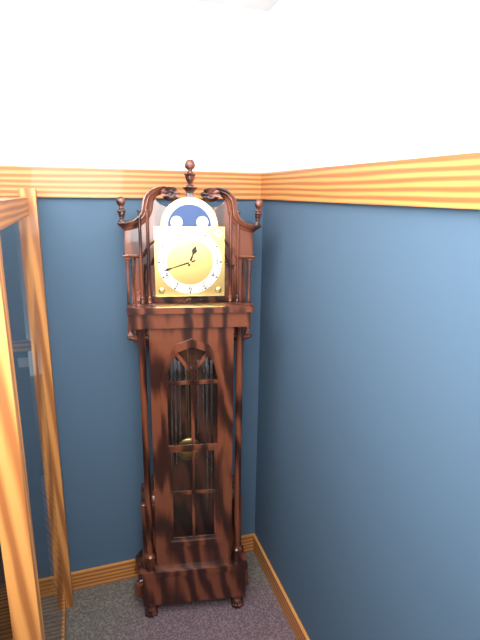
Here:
12,42
